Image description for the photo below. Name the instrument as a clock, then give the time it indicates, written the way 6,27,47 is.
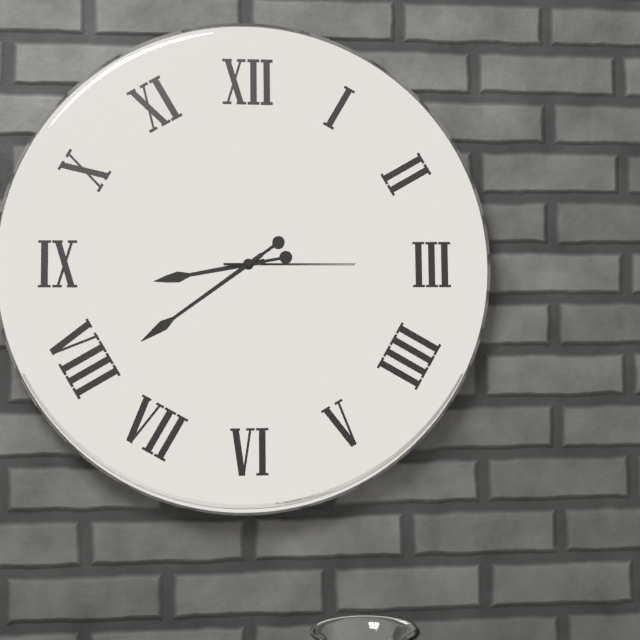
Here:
8,39,15
